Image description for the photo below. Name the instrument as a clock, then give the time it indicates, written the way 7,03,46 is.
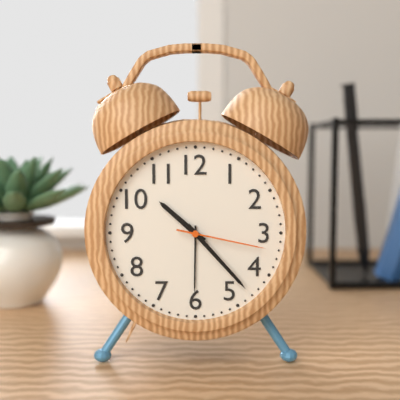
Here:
10,23,17
